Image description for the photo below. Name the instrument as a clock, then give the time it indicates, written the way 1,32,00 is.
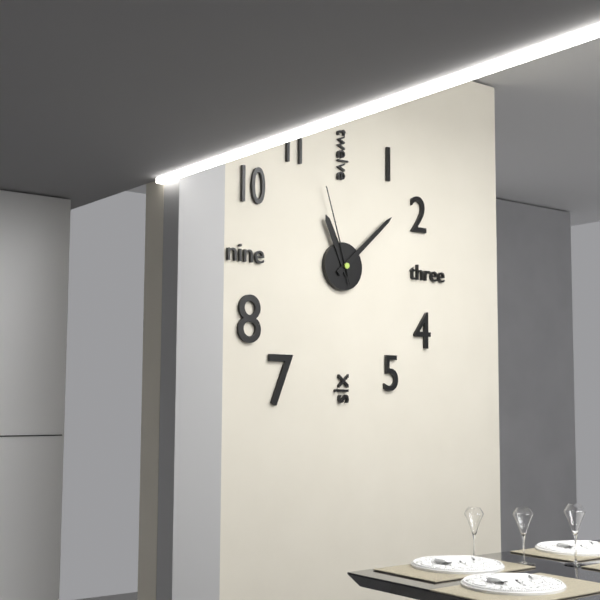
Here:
11,08,57
